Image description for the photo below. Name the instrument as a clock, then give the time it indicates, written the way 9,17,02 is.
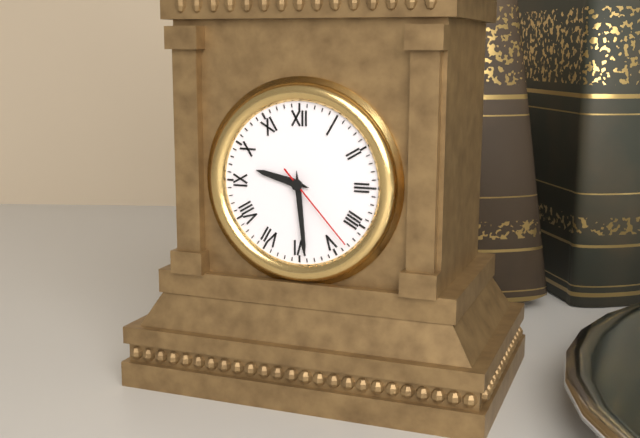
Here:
9,29,23
